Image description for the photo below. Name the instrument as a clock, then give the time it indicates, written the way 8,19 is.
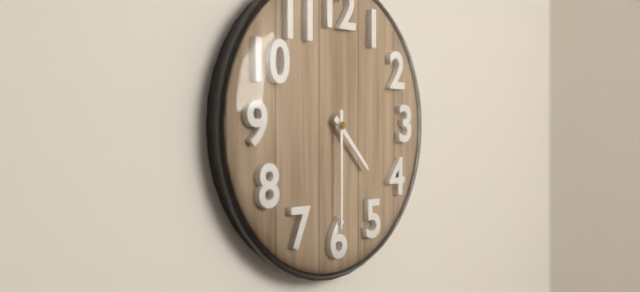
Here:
4,30
